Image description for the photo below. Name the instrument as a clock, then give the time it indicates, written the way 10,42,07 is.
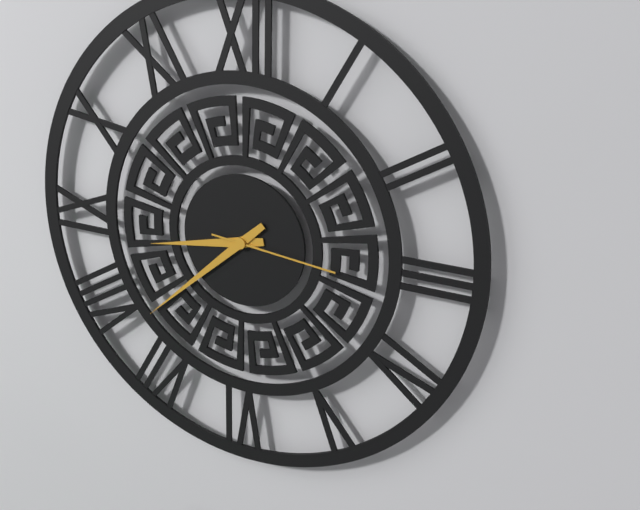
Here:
8,38,16
